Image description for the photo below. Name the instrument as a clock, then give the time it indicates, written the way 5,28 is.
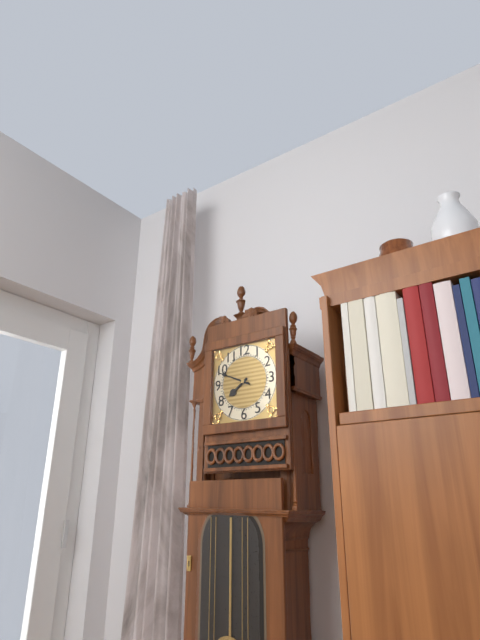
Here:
7,49
